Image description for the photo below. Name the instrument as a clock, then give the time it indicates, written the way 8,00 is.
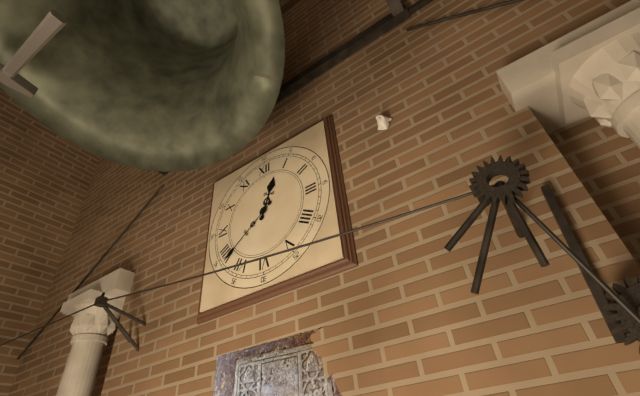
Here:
12,39
